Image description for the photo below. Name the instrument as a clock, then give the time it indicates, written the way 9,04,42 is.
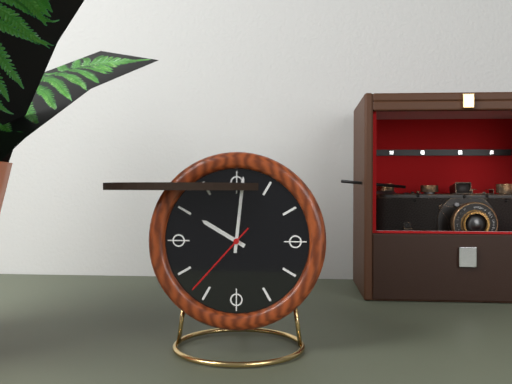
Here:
10,01,37
